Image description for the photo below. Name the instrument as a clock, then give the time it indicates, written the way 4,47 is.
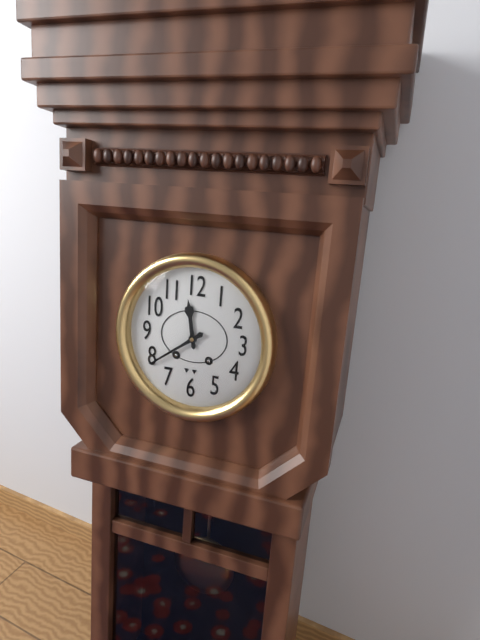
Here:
11,39
